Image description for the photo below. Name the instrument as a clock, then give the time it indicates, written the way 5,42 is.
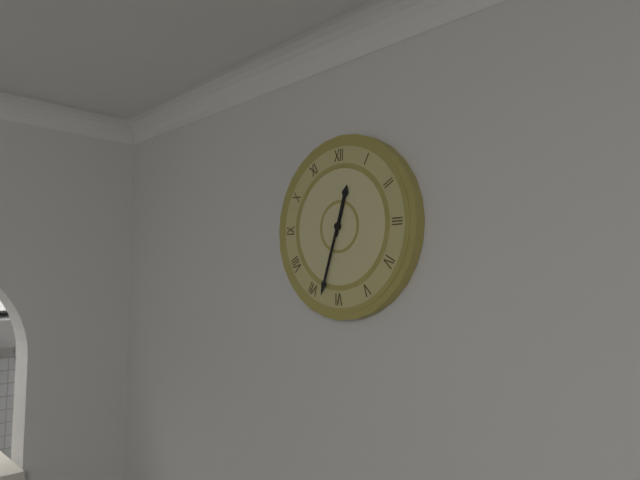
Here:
12,33
